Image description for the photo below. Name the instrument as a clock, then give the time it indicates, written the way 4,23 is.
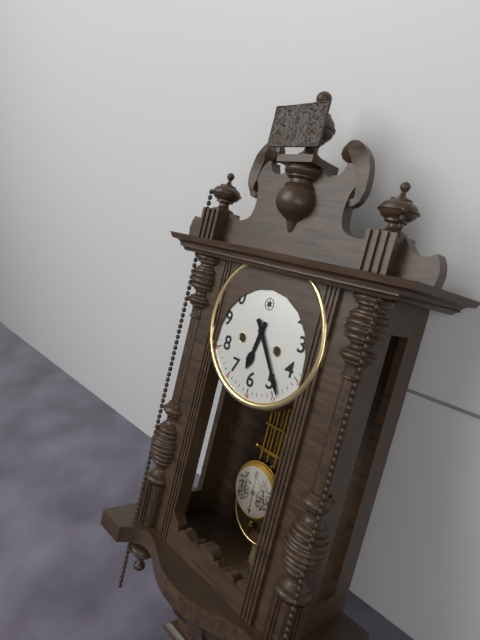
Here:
6,24
